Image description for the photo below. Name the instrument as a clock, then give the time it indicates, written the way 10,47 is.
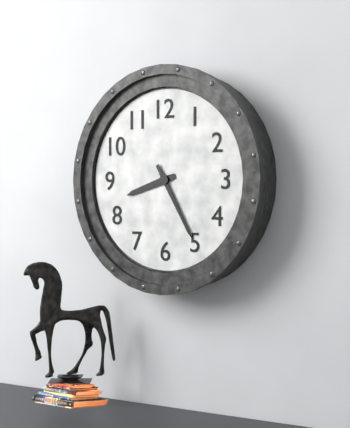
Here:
8,25
